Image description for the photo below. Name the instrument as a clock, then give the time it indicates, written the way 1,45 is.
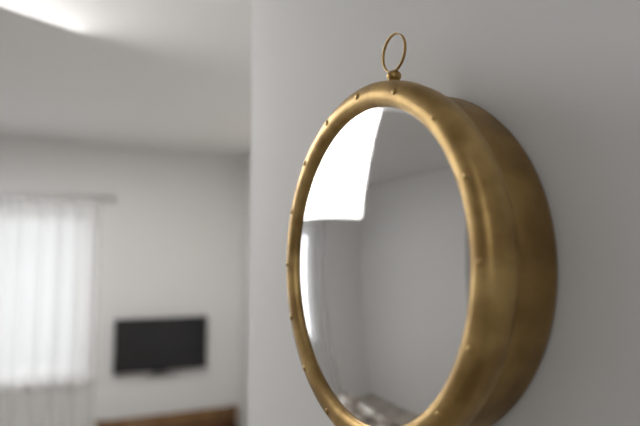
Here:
3,29
